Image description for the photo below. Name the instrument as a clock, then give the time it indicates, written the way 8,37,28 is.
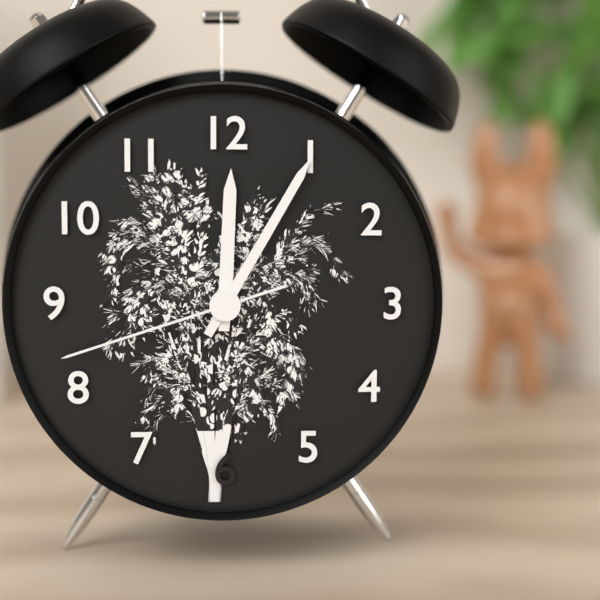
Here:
12,05,42
